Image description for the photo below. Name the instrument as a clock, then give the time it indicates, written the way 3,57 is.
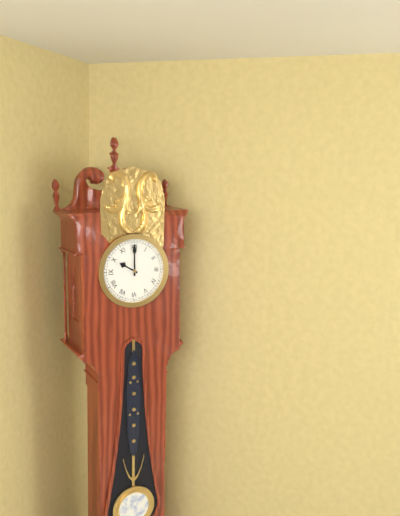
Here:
10,00
